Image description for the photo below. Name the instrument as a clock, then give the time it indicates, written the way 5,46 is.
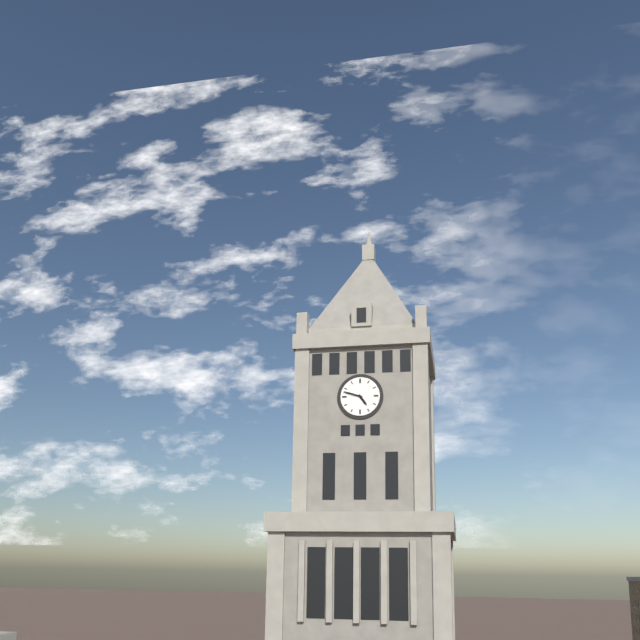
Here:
4,48
